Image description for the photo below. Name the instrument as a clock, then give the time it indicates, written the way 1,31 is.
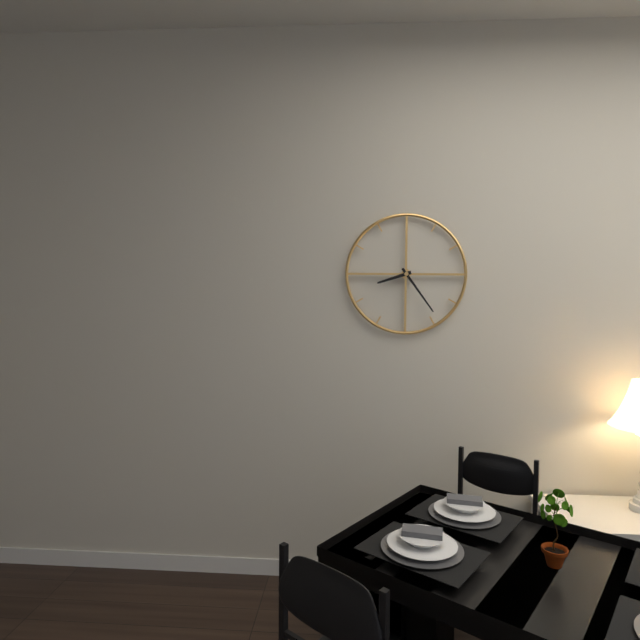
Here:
8,24
